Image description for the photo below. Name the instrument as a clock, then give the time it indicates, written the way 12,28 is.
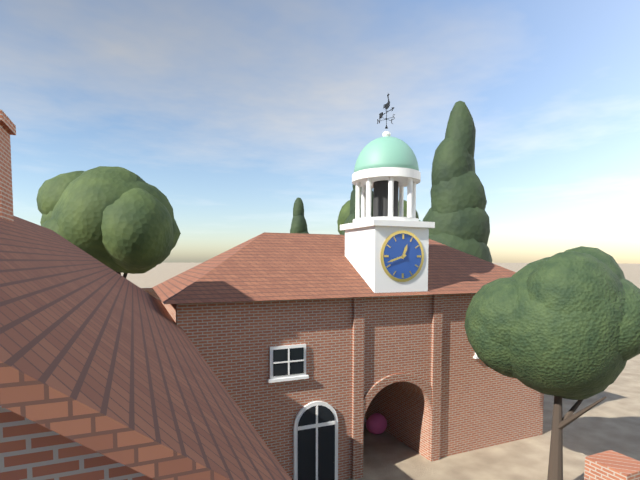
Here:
12,42
